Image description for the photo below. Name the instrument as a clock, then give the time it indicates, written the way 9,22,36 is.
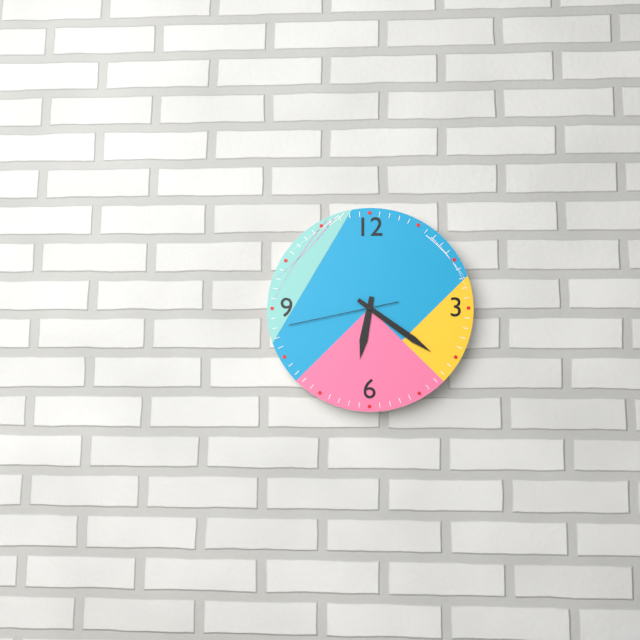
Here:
6,21,43
